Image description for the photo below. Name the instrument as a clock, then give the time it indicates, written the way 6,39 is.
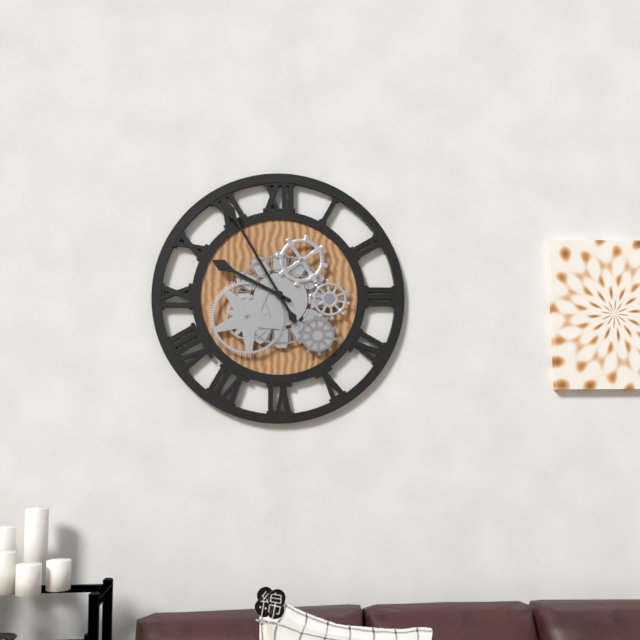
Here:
9,55
